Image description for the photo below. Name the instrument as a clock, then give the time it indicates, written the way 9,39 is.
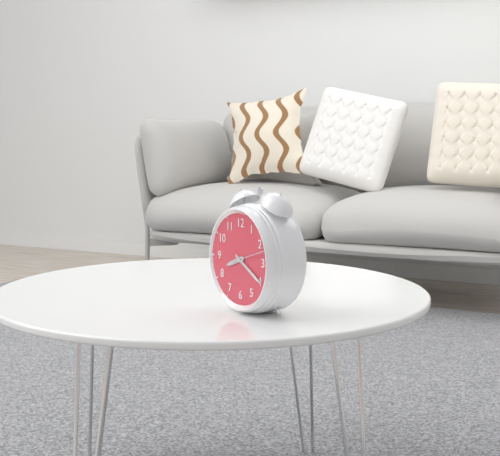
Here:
8,20
